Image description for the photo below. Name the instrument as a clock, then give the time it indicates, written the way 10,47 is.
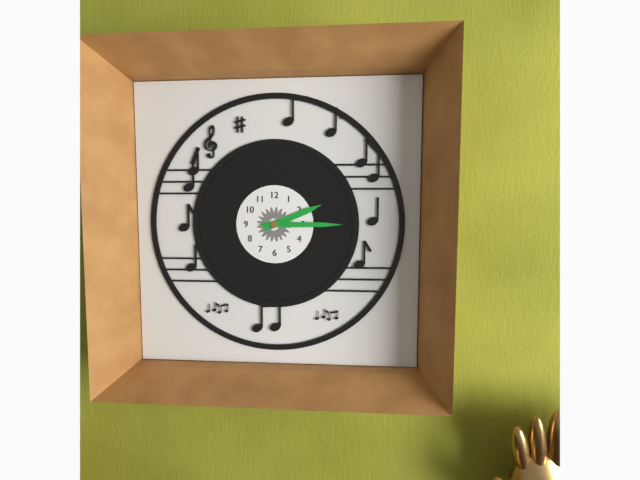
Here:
2,15
